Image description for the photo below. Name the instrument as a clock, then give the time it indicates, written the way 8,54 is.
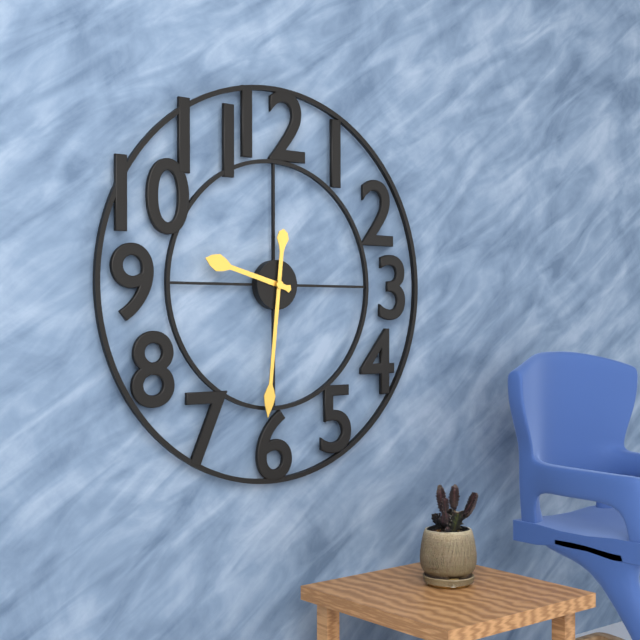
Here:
9,31
